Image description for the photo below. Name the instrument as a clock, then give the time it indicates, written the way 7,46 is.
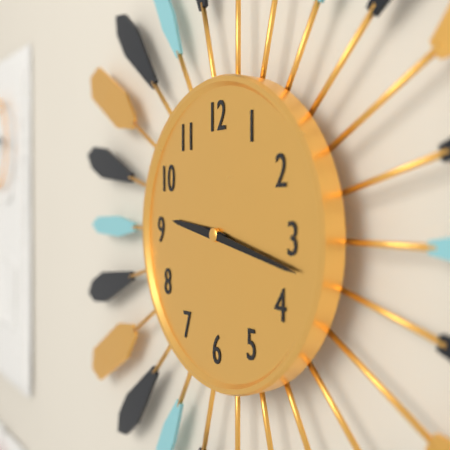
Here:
9,17
